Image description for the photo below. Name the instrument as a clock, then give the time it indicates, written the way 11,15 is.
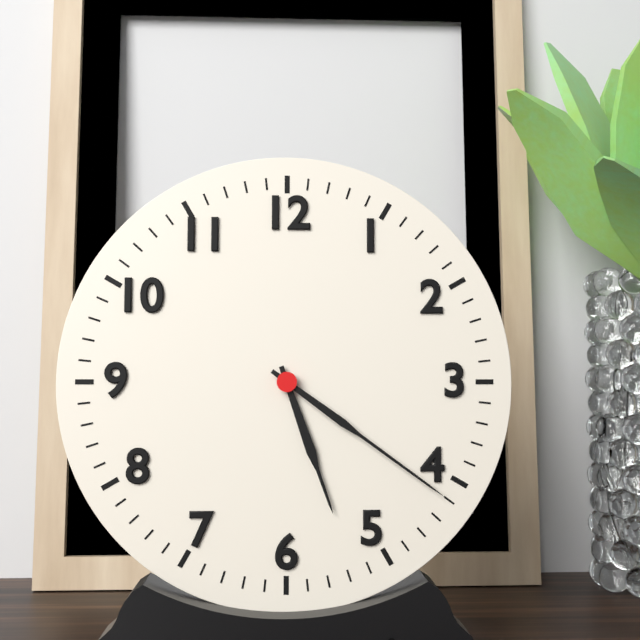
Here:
5,21
